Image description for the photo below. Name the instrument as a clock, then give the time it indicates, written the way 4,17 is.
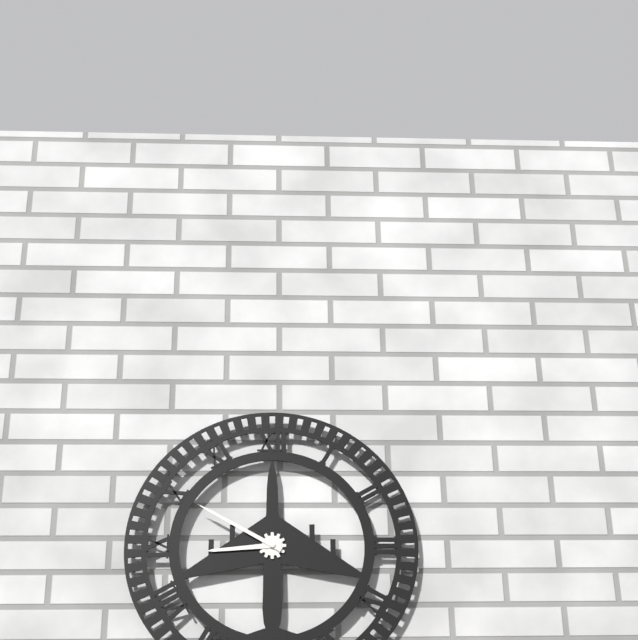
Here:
8,50
